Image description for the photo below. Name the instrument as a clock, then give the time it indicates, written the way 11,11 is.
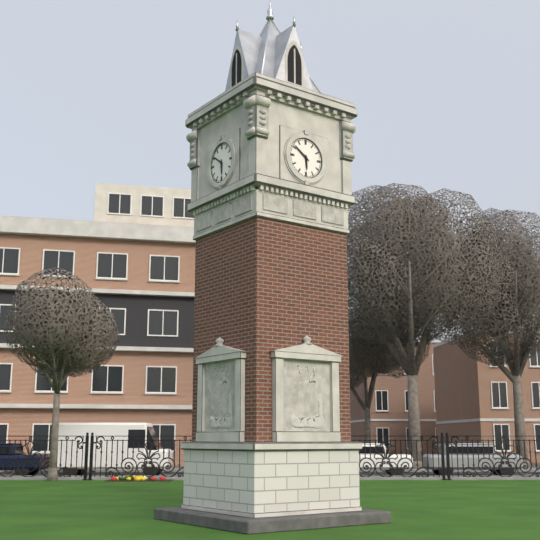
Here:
5,51
